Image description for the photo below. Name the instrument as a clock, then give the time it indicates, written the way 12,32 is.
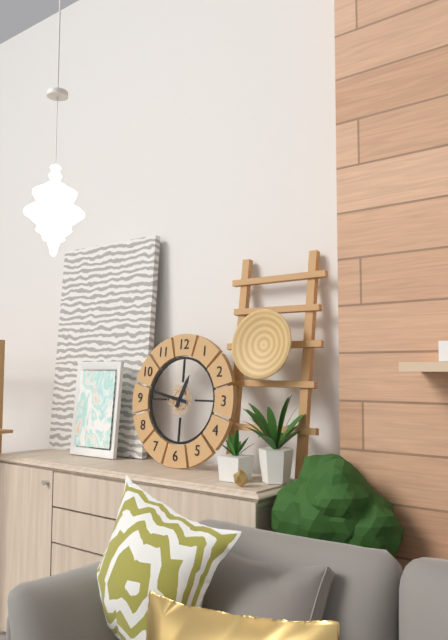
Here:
12,47
